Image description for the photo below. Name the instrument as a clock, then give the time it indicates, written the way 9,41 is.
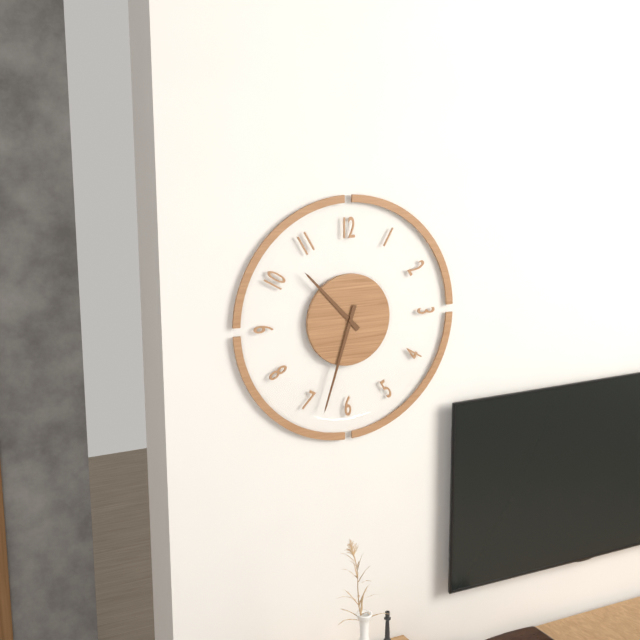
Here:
10,33
